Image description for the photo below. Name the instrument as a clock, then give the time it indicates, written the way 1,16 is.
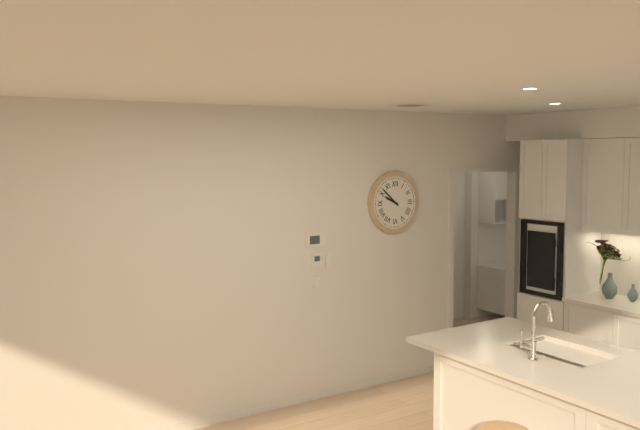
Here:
9,52
